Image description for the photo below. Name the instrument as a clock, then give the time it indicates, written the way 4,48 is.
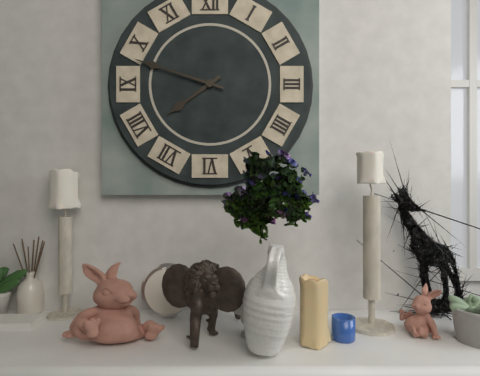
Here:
7,48
